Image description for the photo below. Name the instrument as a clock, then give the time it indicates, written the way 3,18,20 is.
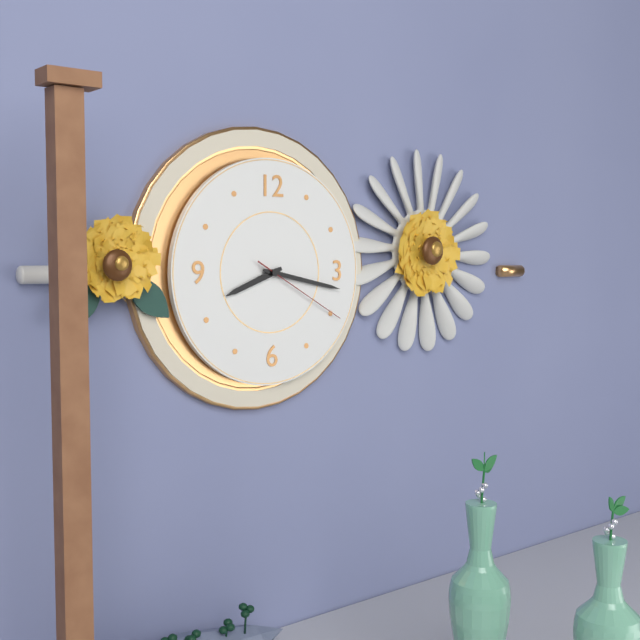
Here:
8,17,20
